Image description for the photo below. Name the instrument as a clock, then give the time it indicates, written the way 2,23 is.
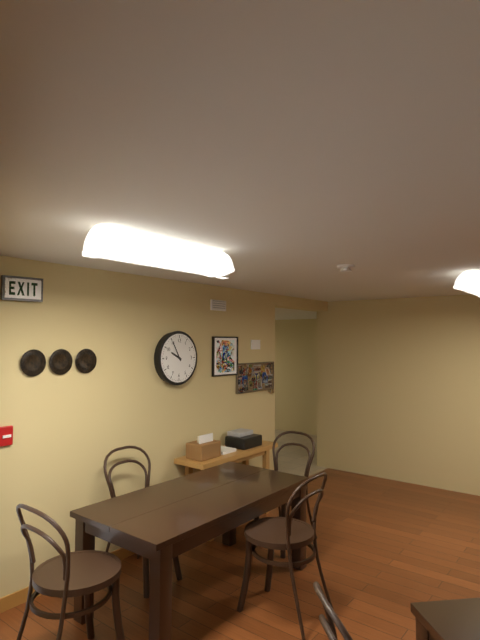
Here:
9,55
